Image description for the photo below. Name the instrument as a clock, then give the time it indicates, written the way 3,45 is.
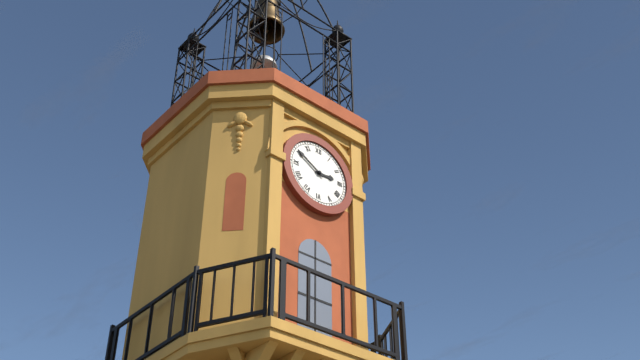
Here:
2,50
